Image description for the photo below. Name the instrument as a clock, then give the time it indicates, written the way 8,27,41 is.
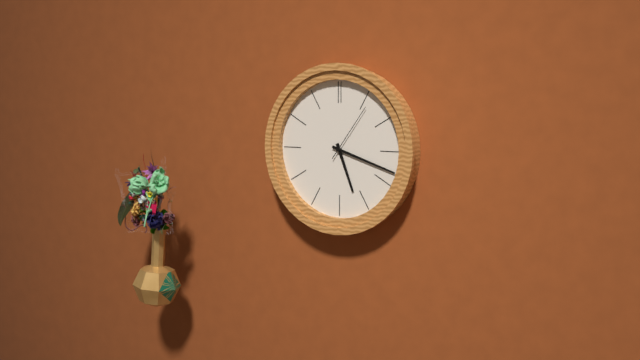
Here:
5,18,06
